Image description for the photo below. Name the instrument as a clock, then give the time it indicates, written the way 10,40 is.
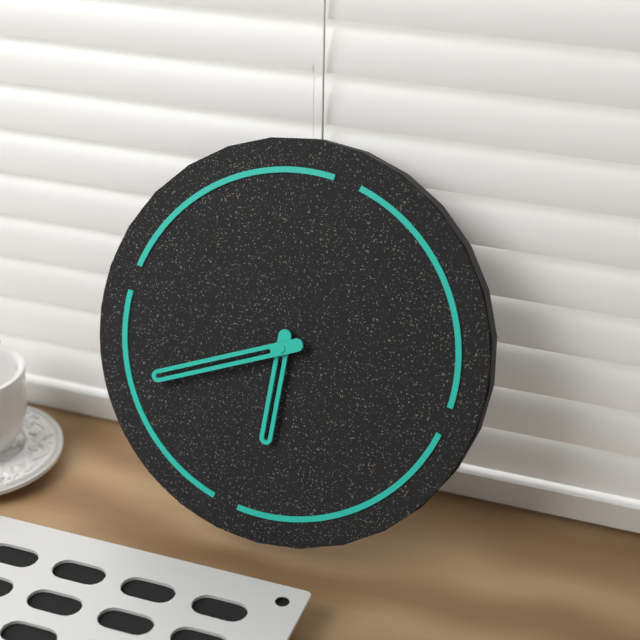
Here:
5,39
